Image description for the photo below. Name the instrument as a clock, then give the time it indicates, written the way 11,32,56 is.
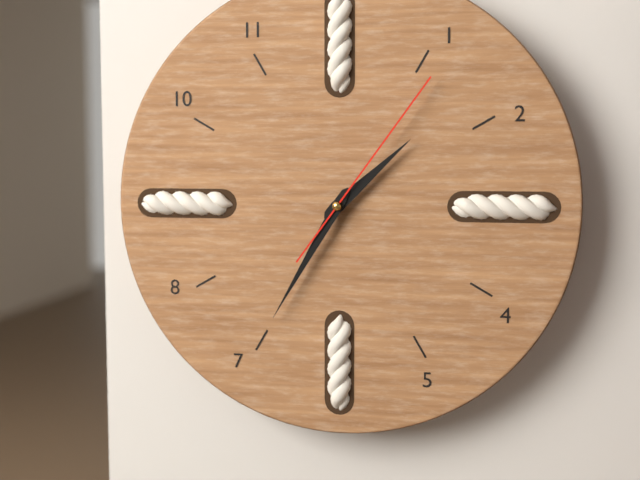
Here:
1,35,06
